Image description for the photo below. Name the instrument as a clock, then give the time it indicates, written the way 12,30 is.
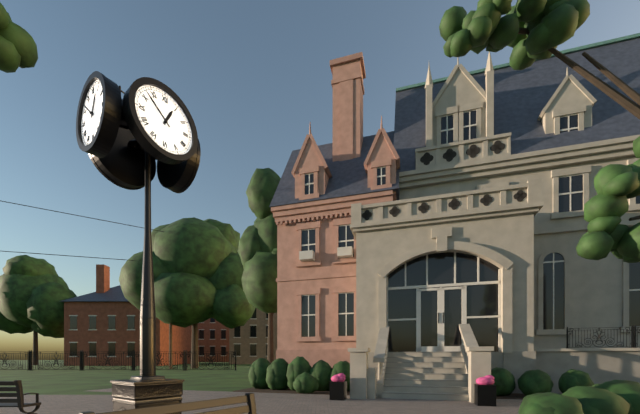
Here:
12,52
